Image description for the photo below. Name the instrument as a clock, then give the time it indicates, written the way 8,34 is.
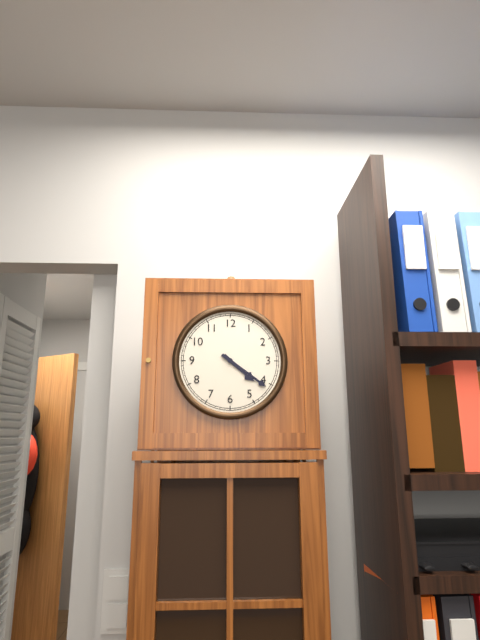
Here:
4,21
